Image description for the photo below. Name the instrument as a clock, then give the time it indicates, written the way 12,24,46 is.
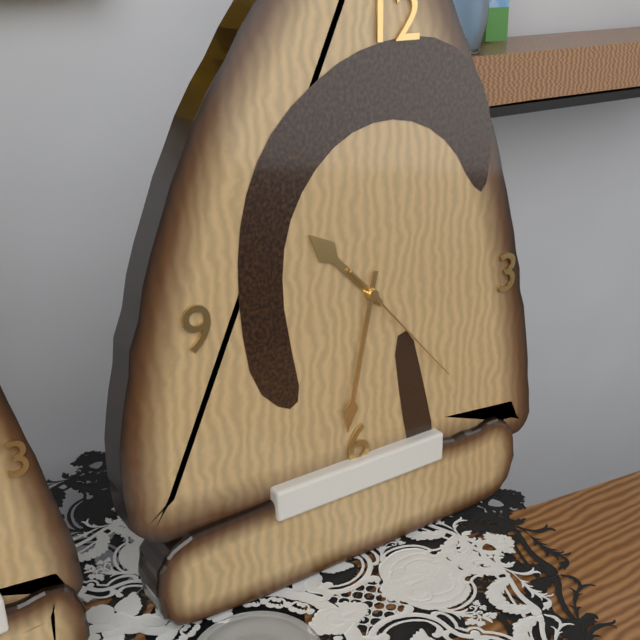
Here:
10,32,23
